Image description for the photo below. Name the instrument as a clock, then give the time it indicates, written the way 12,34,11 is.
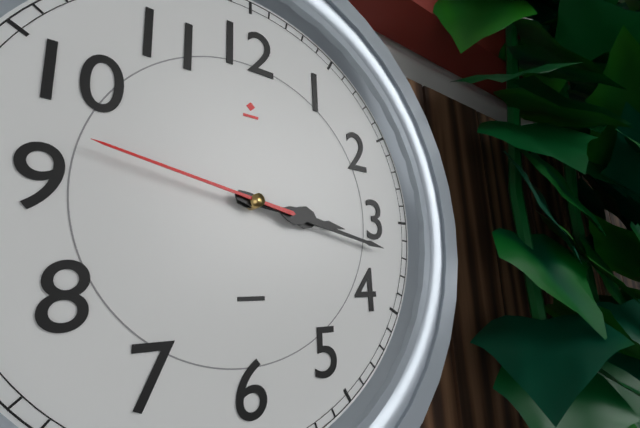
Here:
3,17,47
